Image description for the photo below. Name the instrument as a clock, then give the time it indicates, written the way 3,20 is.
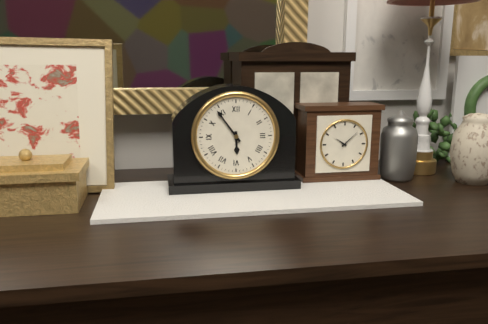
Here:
5,54
